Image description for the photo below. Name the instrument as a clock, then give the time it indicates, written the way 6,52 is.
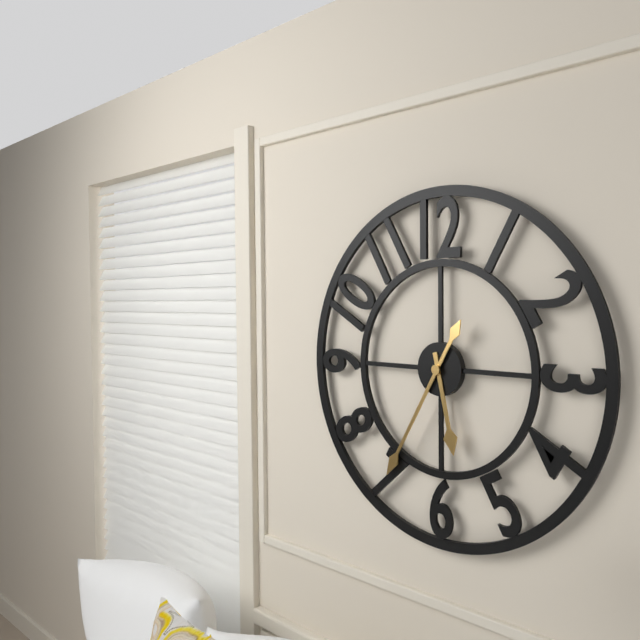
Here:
5,35
